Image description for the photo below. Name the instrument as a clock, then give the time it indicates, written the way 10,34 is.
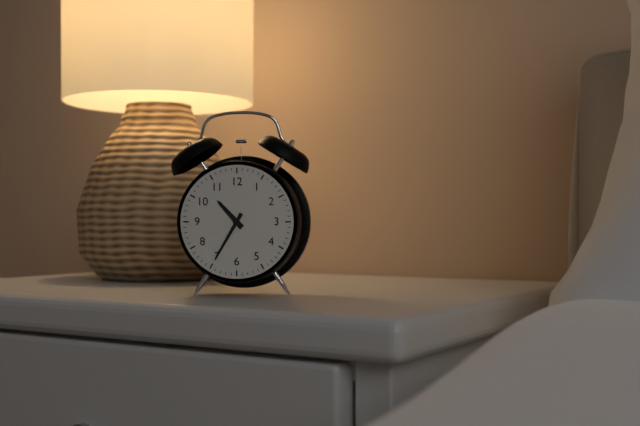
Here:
10,35
